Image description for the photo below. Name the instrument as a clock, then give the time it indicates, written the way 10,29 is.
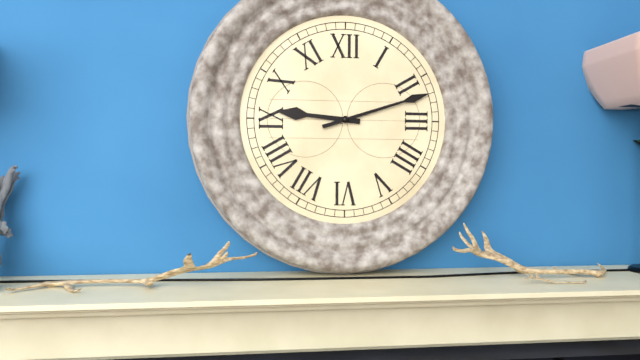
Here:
9,12
